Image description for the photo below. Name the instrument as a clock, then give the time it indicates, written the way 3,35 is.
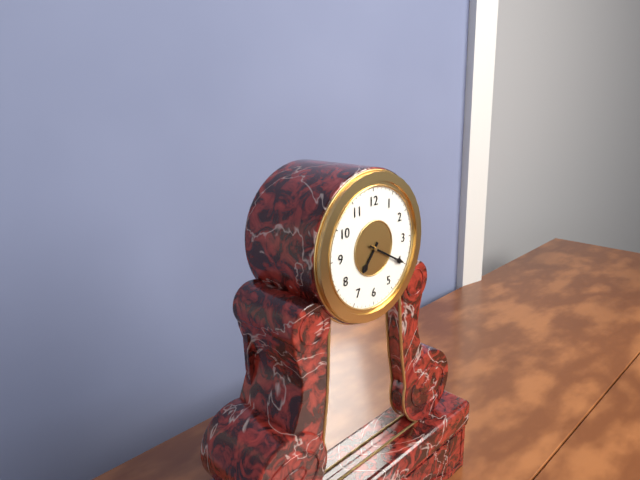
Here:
7,20
